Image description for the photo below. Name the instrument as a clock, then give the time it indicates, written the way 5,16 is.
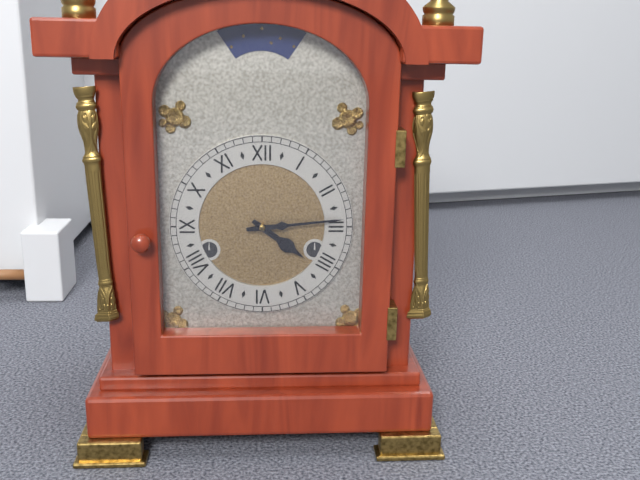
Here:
4,14
